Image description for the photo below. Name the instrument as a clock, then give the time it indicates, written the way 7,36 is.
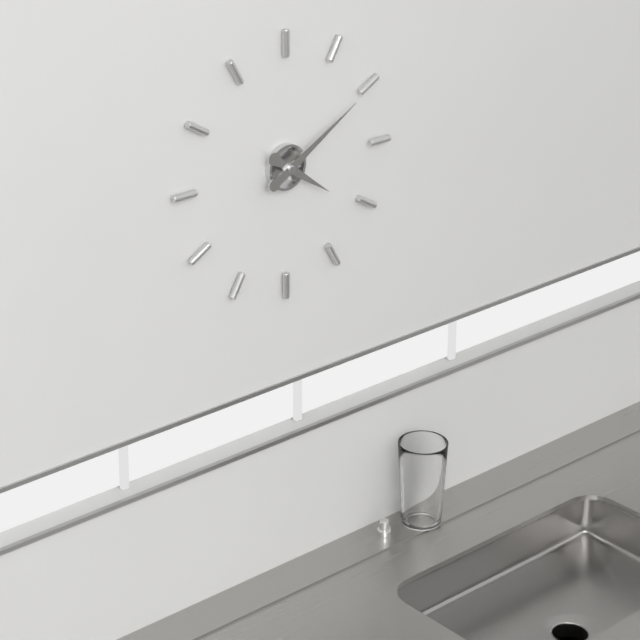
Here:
4,10
